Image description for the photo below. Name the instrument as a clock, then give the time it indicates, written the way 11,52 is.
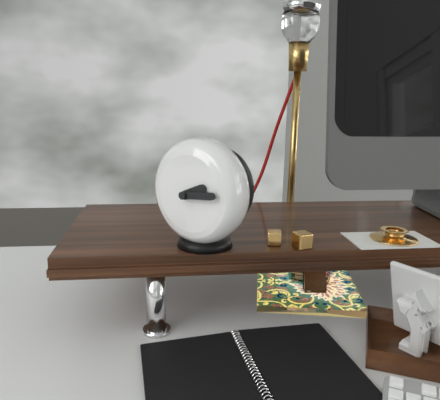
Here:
2,14
